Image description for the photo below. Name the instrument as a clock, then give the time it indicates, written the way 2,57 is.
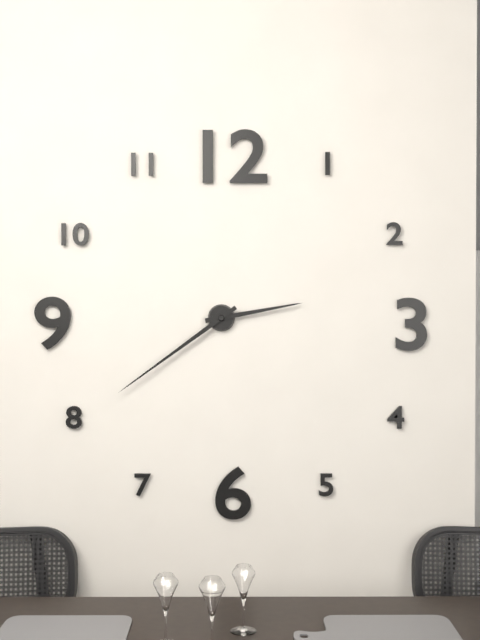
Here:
2,39
